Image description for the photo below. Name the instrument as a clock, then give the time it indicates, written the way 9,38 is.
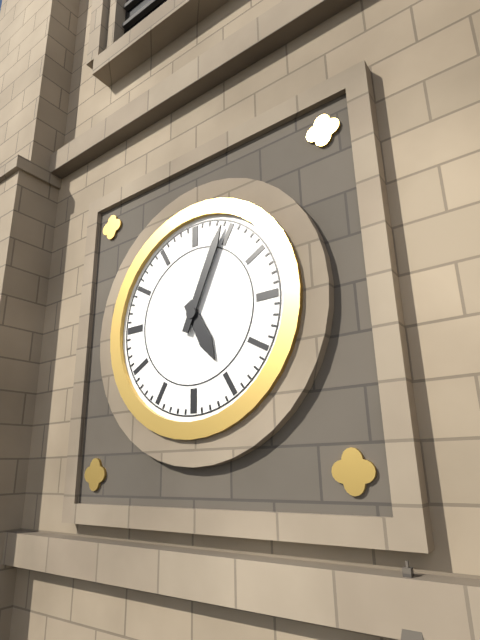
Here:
5,04
